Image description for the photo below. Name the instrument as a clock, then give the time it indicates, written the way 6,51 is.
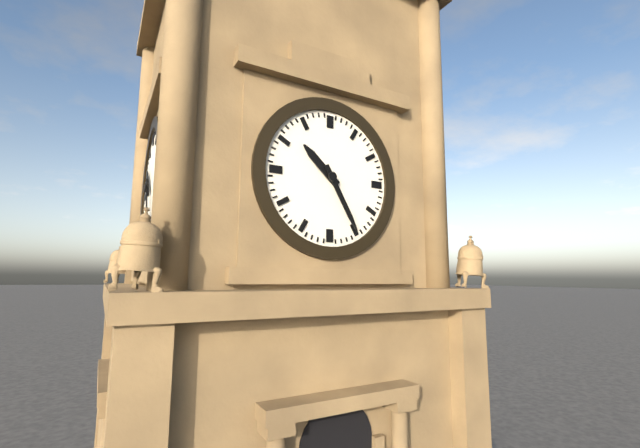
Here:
10,25
